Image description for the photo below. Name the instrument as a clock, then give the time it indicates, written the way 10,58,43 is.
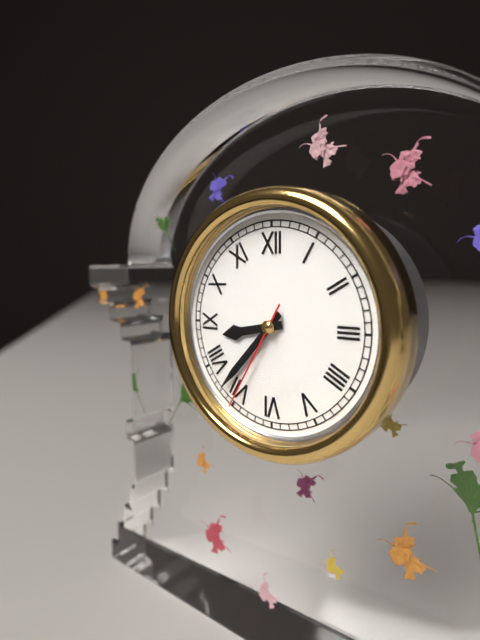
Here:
8,37,35
